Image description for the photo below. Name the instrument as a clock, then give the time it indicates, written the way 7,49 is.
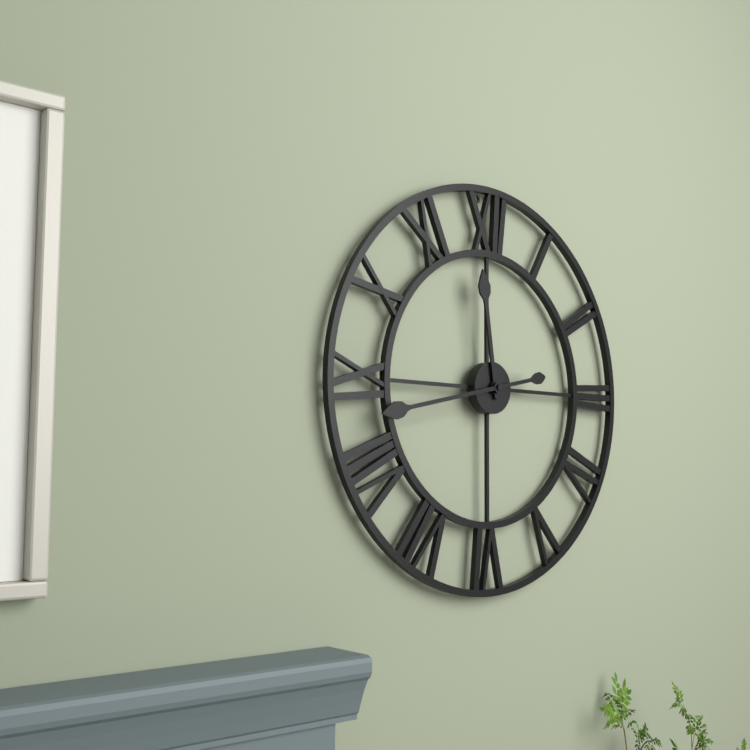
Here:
11,43
